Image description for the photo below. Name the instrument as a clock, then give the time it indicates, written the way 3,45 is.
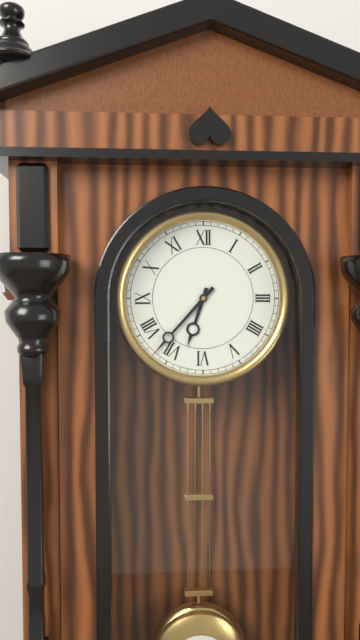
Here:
6,37
